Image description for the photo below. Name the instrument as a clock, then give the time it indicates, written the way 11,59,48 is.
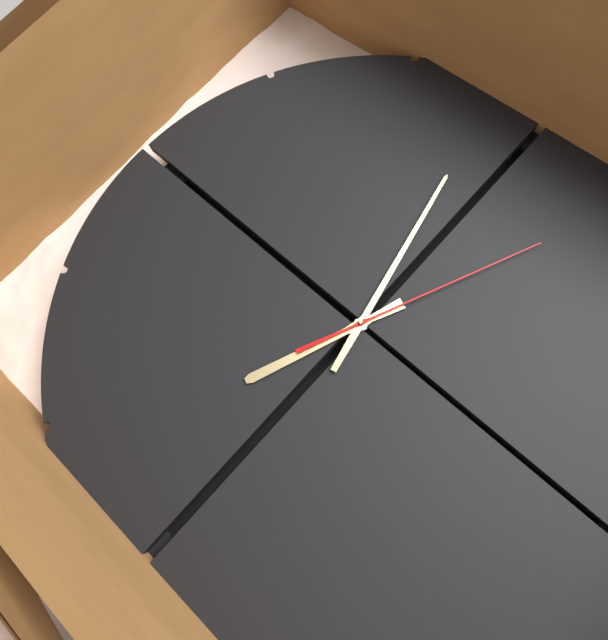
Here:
3,43,49
